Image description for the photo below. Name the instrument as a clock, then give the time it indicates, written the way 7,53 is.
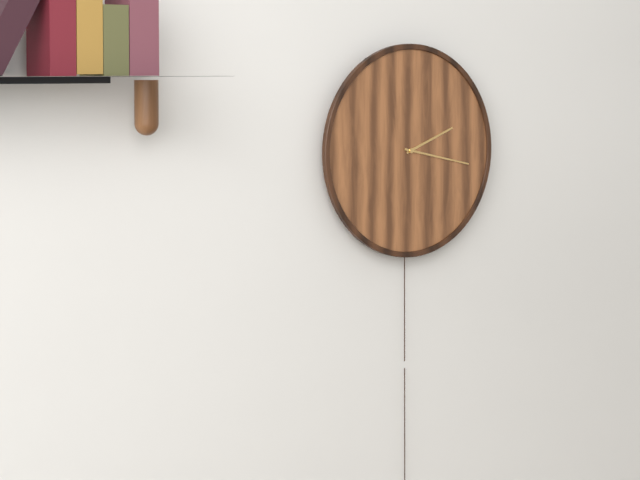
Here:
2,17
